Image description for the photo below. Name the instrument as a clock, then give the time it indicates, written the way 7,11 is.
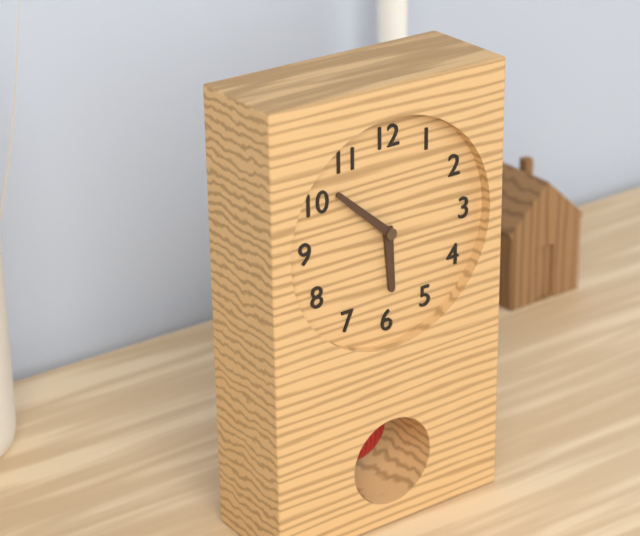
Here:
5,52
